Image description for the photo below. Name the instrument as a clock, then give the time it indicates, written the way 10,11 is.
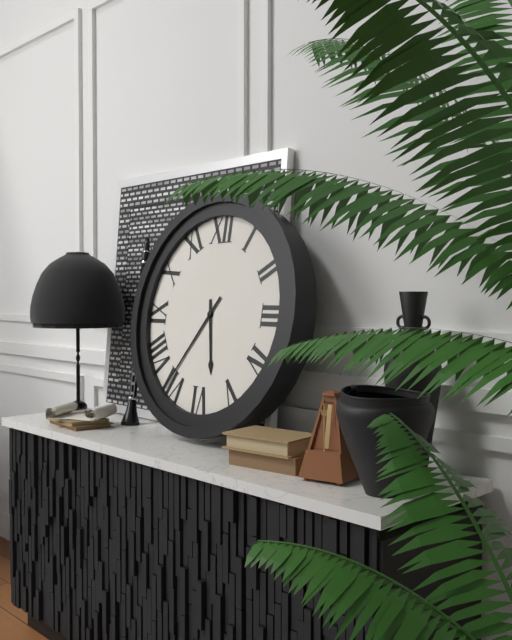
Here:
5,36
